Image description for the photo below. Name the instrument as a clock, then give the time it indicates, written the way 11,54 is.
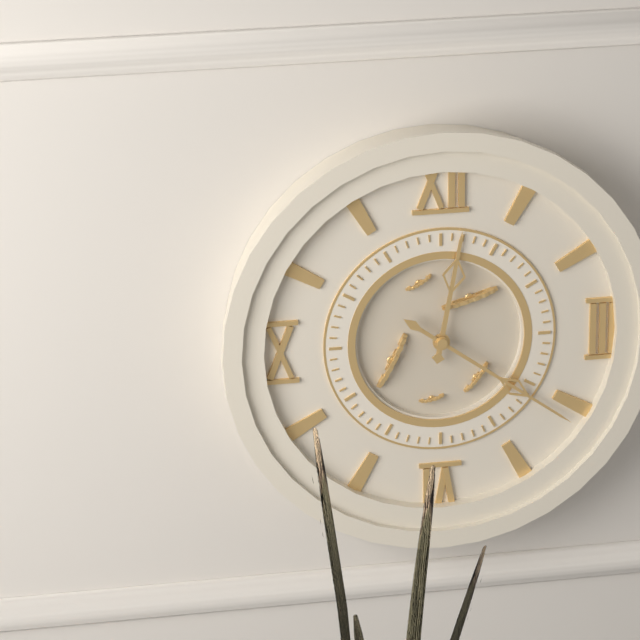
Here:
12,21
